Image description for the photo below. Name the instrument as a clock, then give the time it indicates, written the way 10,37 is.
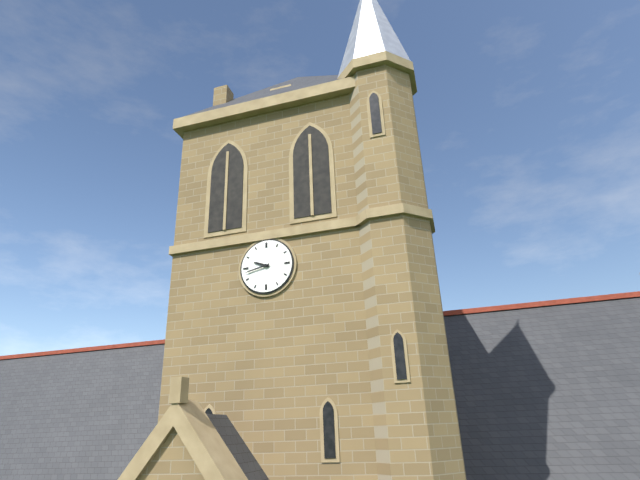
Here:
9,43
